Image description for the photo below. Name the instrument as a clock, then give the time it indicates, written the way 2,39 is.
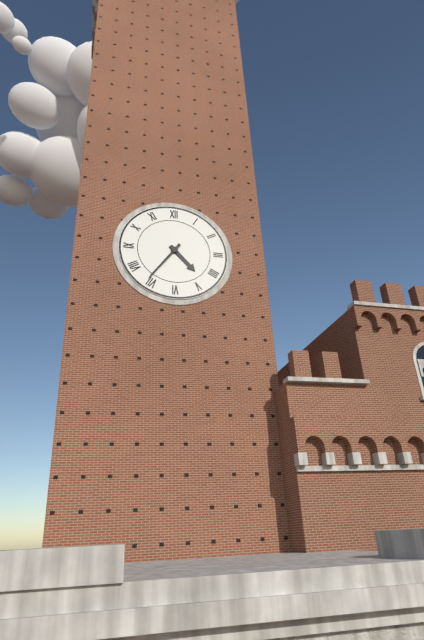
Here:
4,36
